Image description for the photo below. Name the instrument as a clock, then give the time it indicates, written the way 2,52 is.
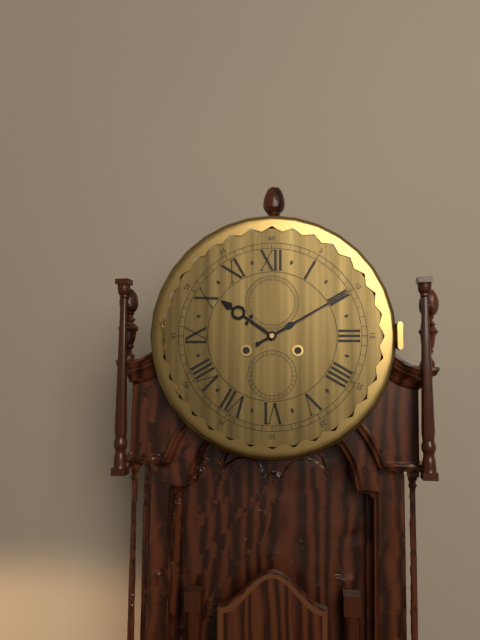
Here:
10,10
